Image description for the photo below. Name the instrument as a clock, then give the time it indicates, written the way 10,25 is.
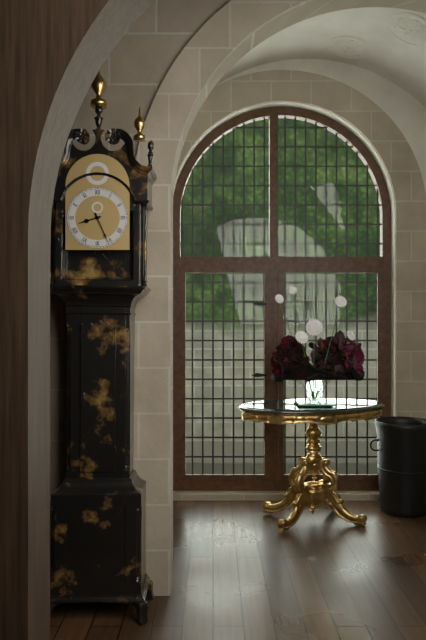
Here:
8,26
